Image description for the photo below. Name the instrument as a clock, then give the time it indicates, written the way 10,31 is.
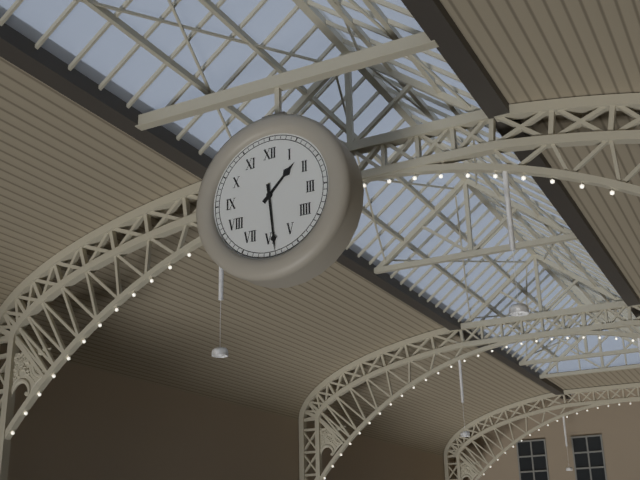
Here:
1,29
